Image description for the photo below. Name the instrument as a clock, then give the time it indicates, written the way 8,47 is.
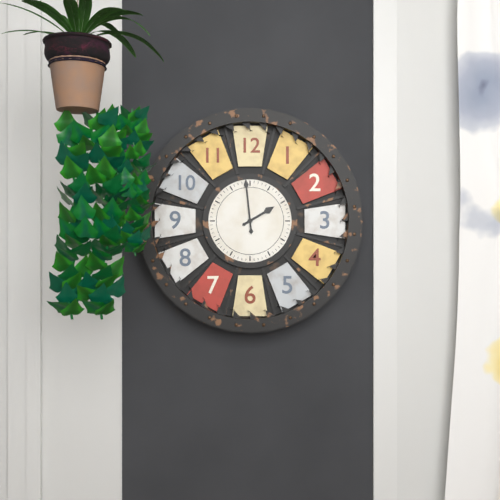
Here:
1,59
